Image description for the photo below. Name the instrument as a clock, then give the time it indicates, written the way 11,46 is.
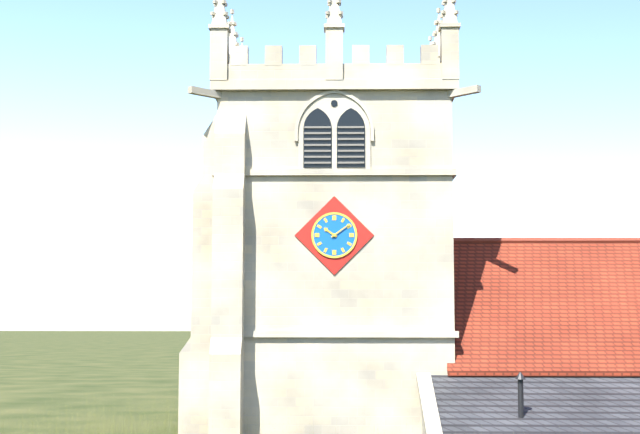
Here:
10,09
